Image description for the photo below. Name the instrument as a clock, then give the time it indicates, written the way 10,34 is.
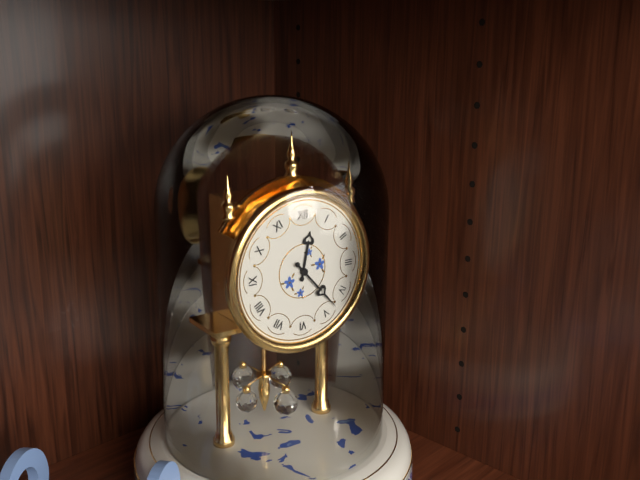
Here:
12,23
